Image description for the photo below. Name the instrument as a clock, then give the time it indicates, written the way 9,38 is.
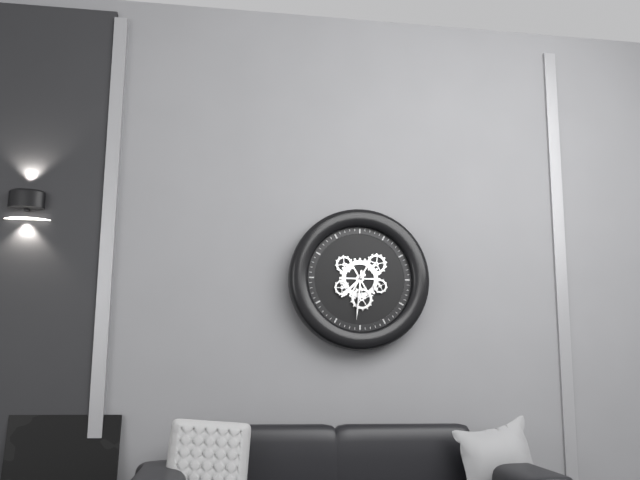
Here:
7,31
